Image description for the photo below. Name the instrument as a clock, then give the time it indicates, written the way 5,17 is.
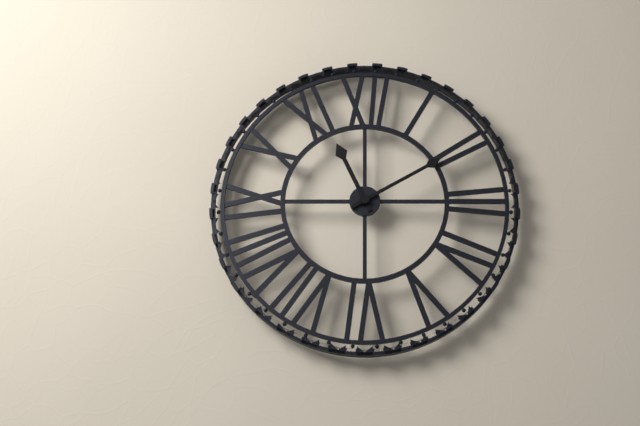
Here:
11,10
